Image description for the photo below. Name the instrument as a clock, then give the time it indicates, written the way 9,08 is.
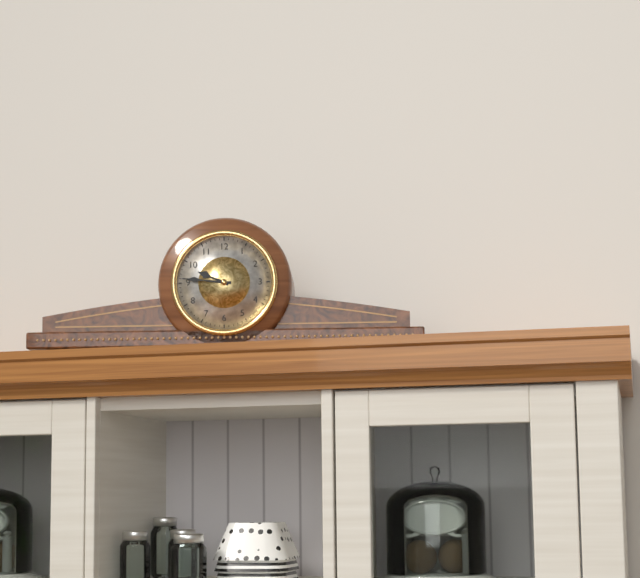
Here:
9,46
